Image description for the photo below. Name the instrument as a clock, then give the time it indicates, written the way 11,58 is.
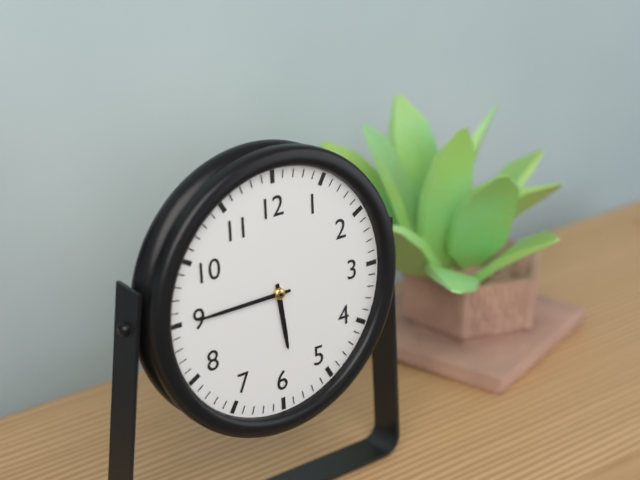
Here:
5,45
